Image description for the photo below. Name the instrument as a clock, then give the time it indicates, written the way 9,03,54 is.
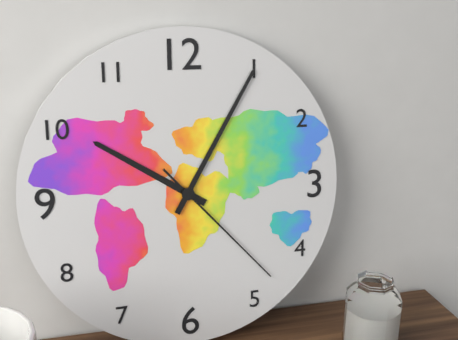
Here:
10,05,23
